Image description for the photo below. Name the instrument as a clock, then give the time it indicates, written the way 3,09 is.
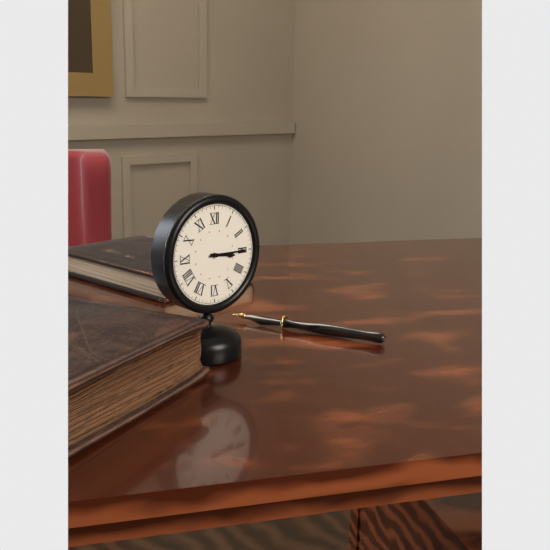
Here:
3,15
